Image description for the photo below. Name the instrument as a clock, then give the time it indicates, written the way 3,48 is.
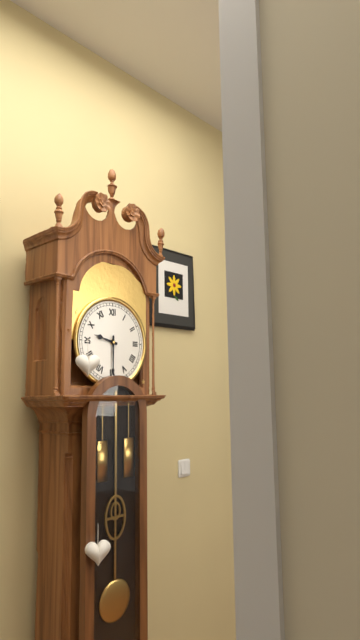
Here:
9,30
